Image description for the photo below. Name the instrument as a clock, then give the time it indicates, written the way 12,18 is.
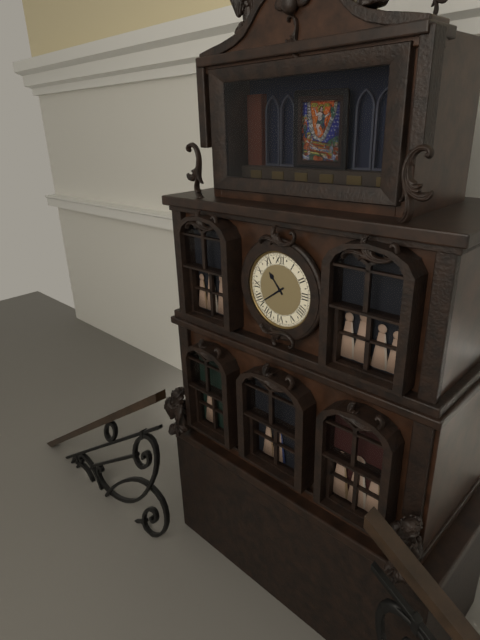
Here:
10,39
